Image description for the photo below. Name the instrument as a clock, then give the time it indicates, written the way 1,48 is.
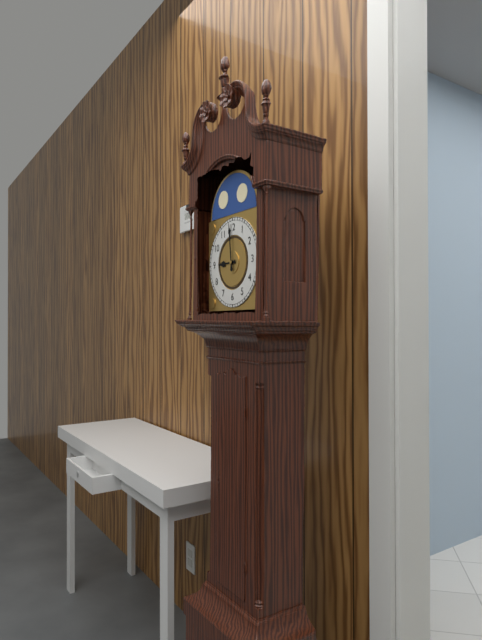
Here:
8,59
